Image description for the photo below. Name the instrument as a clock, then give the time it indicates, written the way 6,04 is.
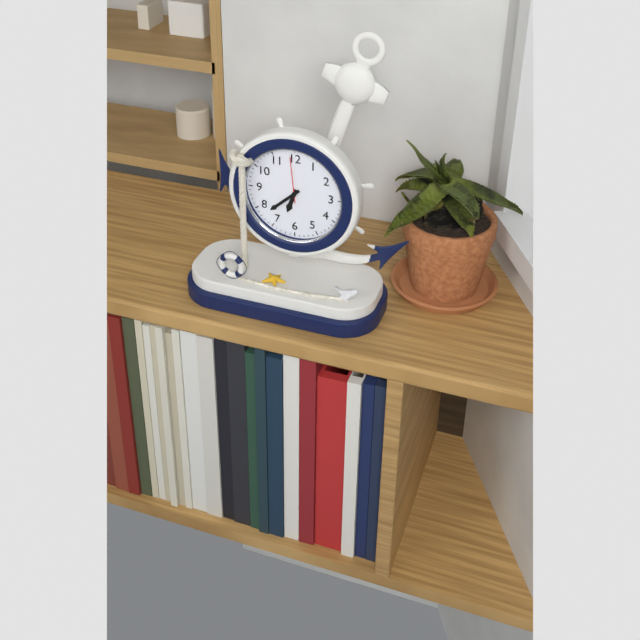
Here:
6,38
